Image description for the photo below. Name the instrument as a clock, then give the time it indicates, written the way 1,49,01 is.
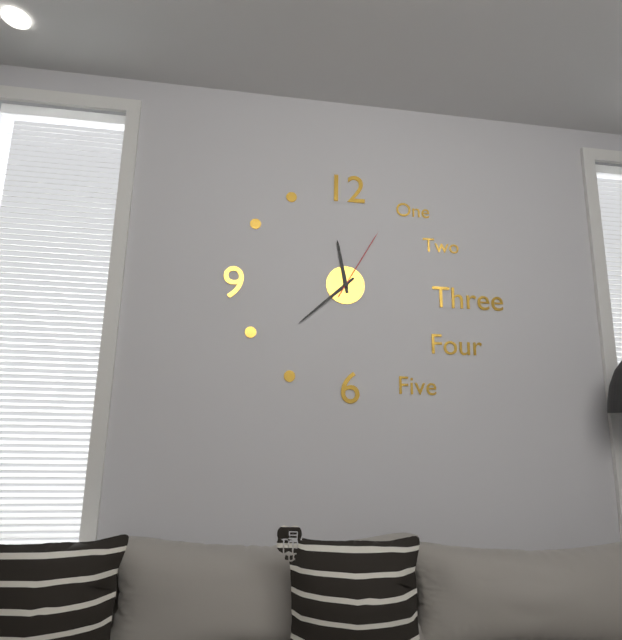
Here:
11,38,05
